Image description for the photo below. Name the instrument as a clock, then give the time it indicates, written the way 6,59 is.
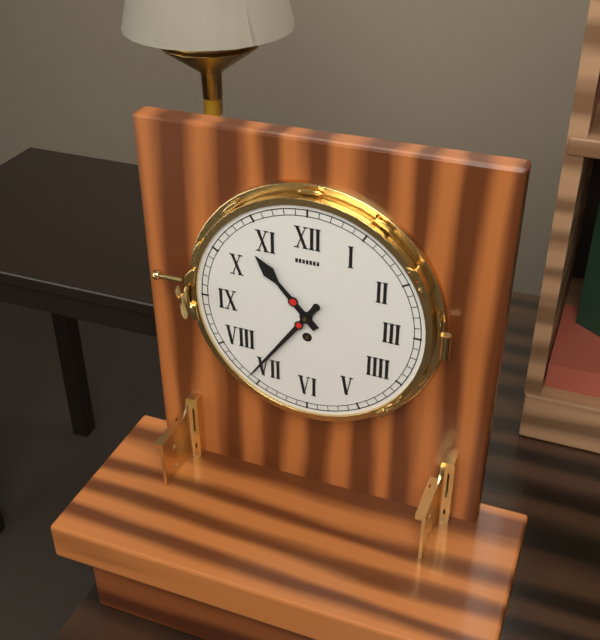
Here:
10,36
